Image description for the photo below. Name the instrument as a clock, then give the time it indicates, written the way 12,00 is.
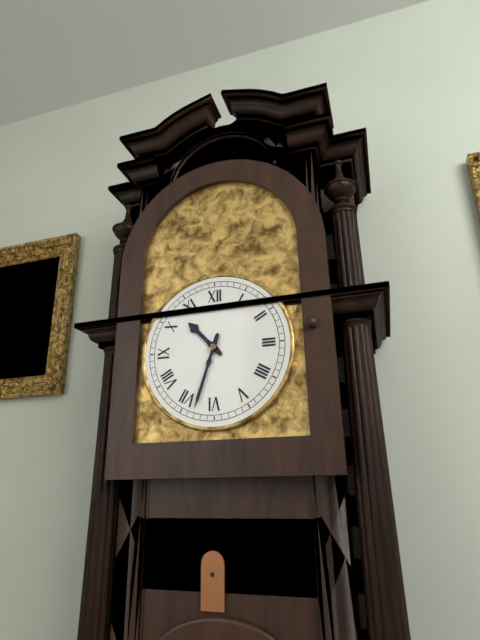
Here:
10,33
